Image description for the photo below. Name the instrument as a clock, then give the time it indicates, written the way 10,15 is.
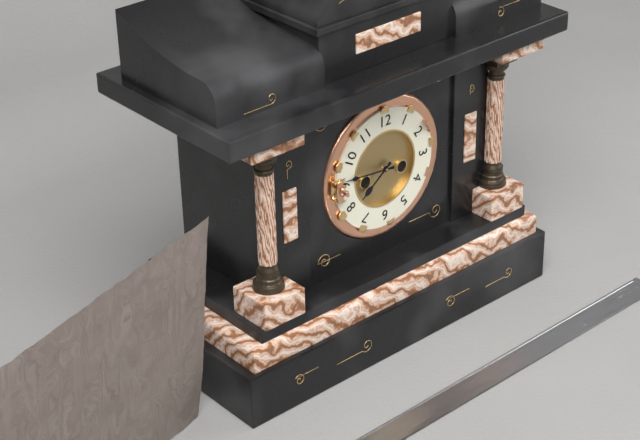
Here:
7,46
